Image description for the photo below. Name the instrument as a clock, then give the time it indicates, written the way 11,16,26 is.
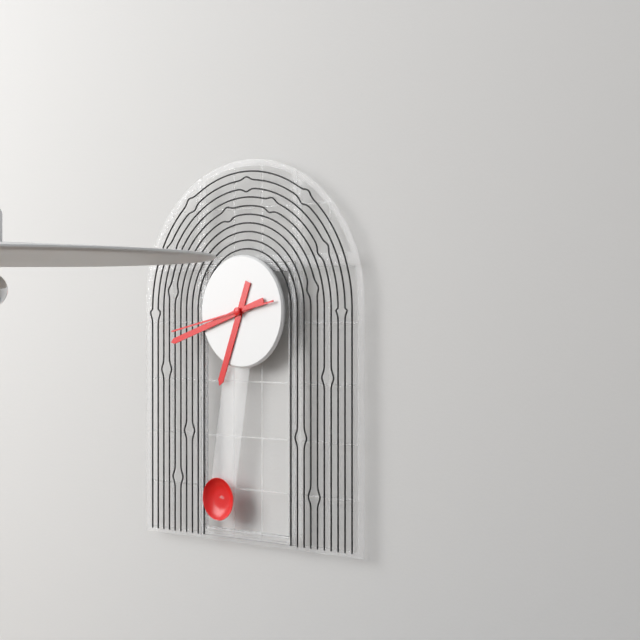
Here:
6,42,43
